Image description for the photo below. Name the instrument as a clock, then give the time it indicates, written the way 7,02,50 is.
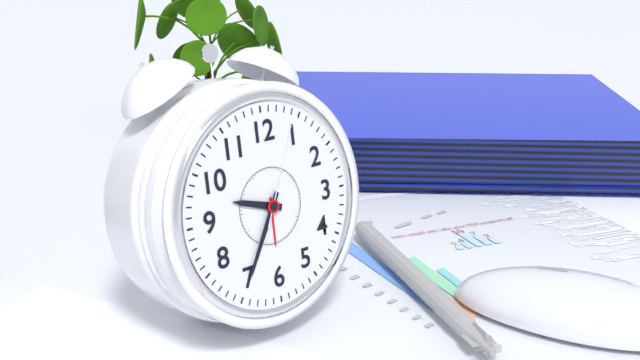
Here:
9,35,04
